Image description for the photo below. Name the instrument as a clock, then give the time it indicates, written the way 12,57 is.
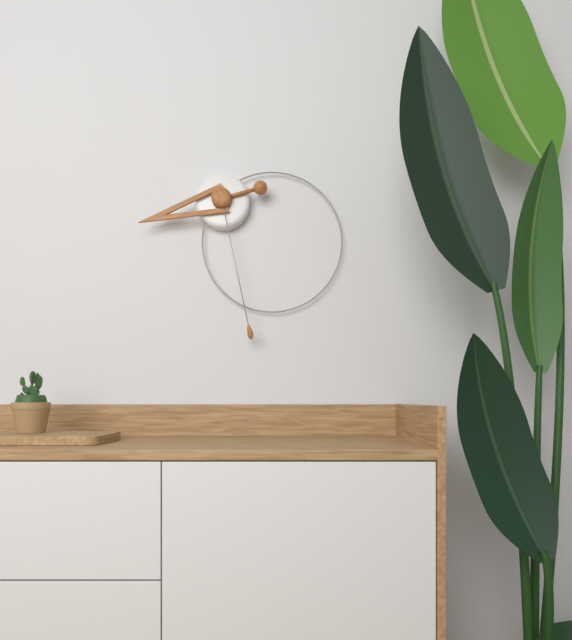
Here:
8,28
